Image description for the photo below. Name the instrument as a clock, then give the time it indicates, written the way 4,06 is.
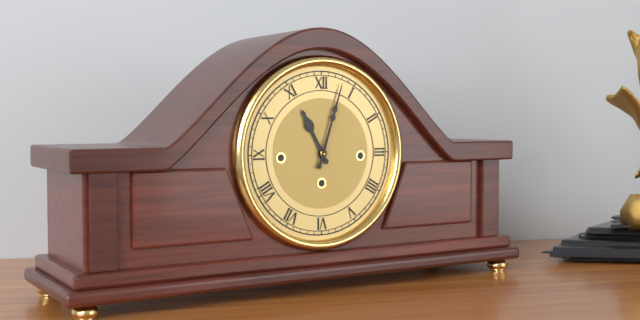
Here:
11,03
